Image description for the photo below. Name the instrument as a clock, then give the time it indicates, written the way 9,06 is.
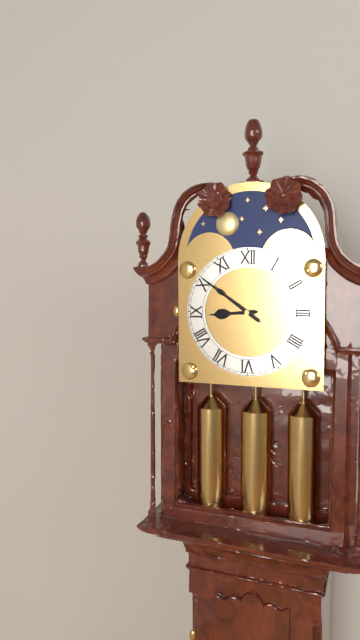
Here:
8,51
